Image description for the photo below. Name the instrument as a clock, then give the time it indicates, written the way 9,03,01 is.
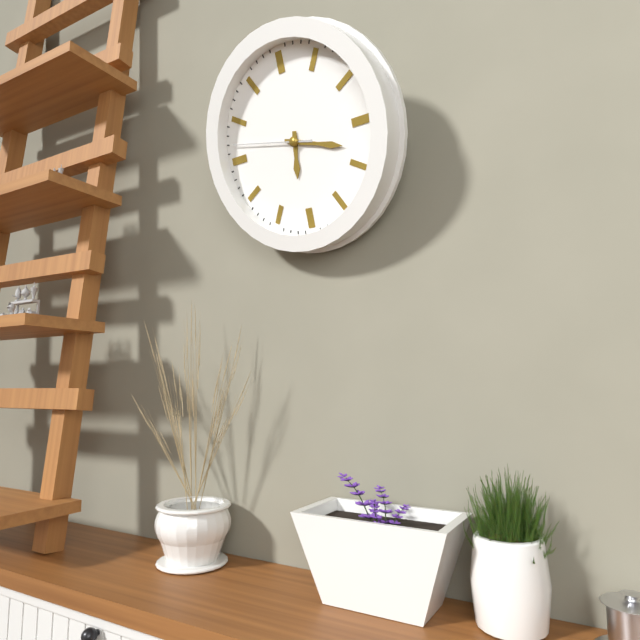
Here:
6,18,47
